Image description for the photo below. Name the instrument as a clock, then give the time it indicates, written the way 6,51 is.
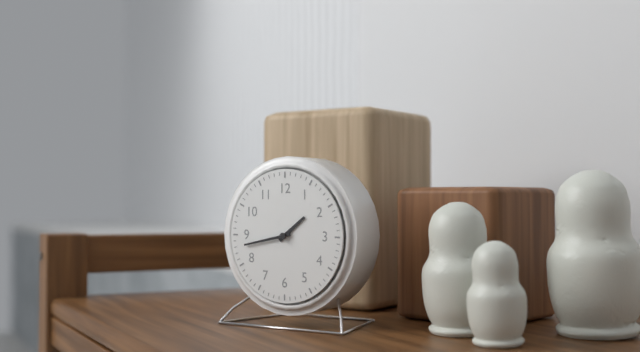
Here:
1,43
